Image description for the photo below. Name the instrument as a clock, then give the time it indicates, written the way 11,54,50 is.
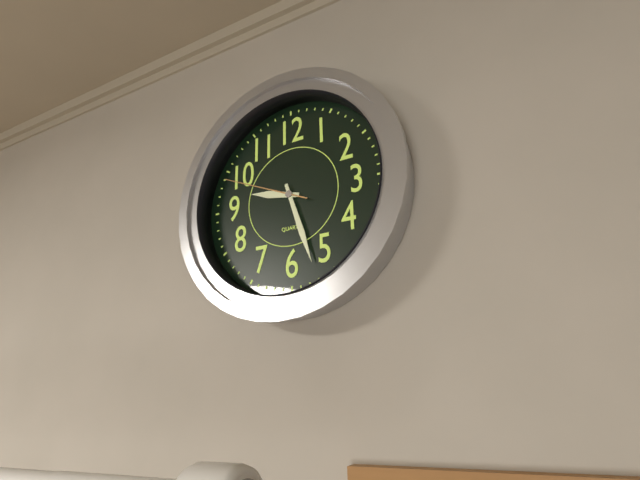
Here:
9,27,49
